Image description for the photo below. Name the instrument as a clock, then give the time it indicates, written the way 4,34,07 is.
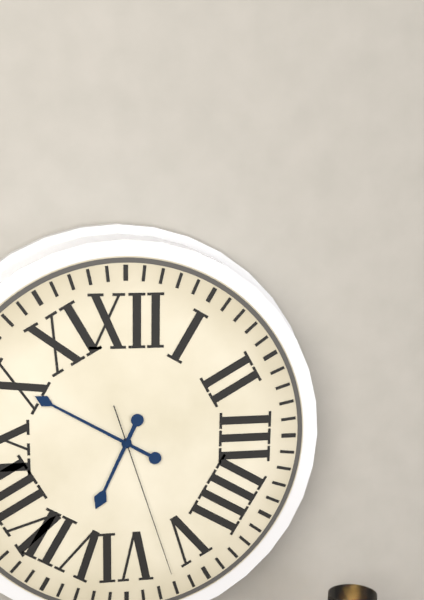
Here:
6,50,27
